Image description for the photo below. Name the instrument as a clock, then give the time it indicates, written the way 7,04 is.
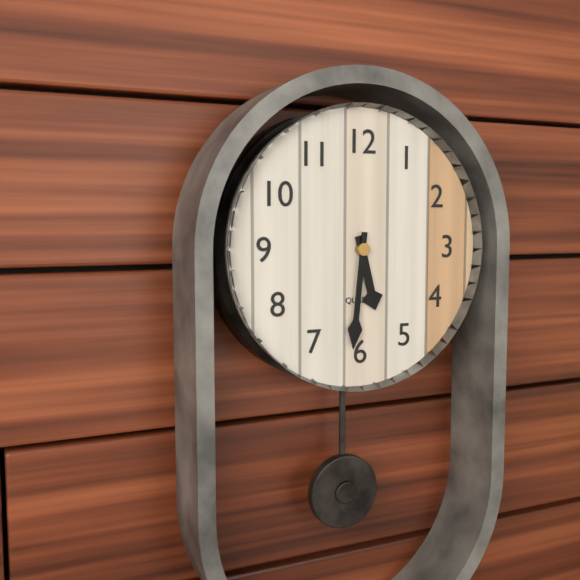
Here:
5,31
